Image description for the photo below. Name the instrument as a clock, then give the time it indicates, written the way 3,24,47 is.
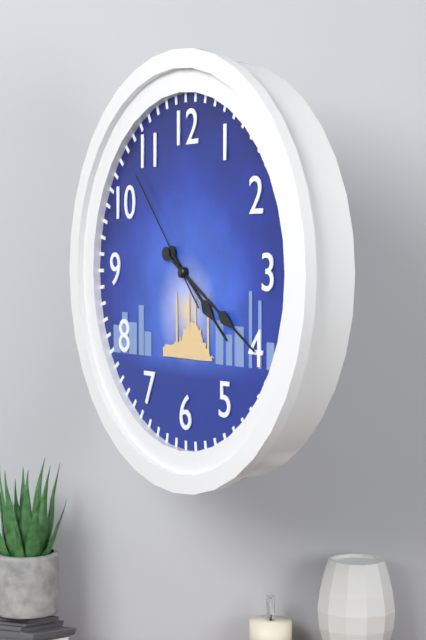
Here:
4,20,53
